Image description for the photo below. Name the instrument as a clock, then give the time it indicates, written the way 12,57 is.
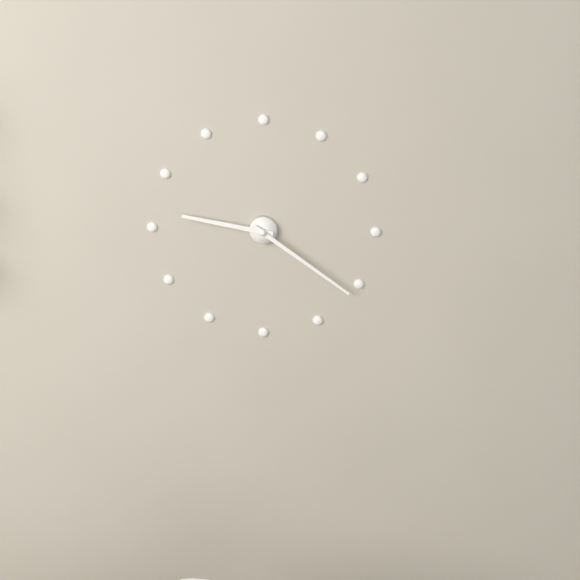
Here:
9,21
